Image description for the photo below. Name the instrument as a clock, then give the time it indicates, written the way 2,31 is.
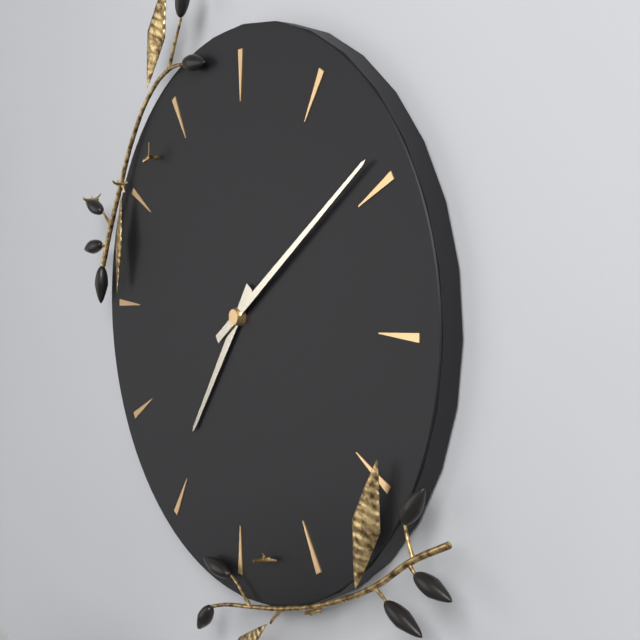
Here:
7,09
